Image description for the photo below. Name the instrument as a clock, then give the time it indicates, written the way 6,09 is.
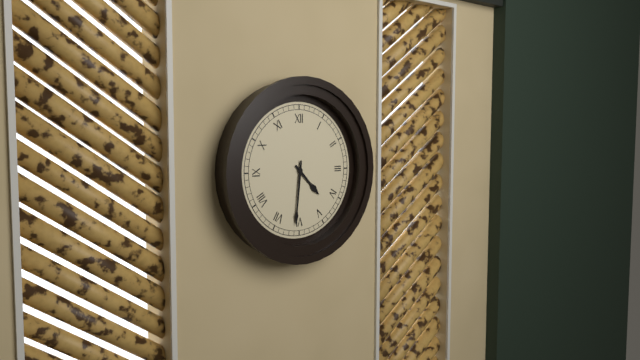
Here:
4,31
